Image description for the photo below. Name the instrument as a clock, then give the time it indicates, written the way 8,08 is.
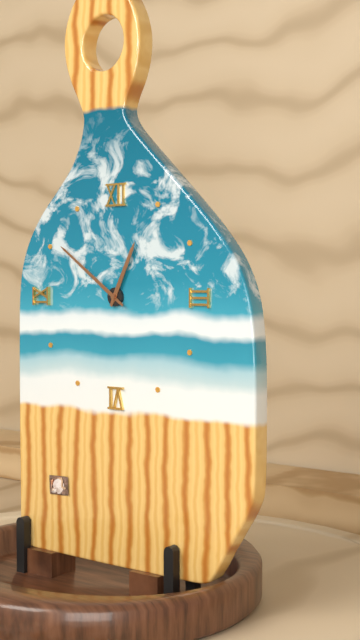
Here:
12,51
